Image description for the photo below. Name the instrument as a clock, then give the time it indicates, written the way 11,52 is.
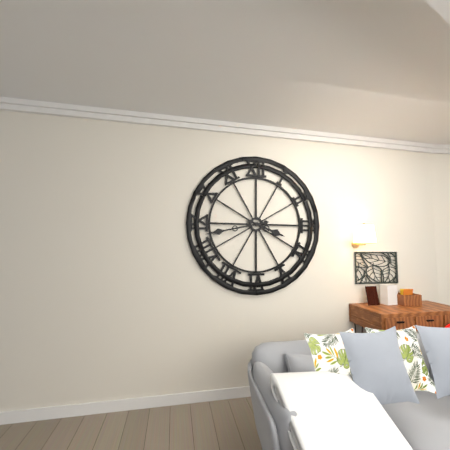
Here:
3,43
